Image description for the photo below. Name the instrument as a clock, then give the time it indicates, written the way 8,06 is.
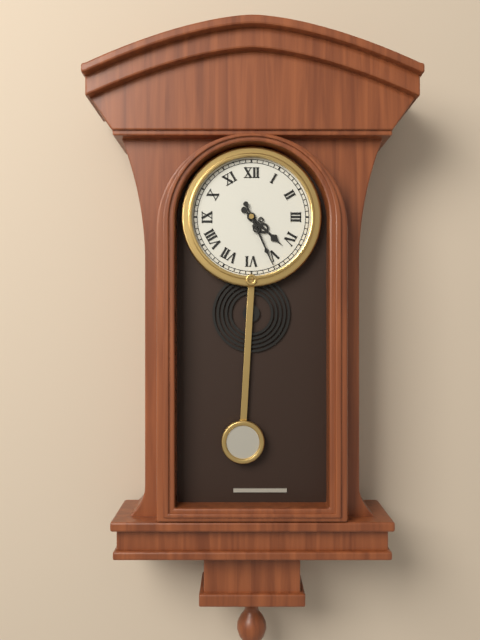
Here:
4,26
